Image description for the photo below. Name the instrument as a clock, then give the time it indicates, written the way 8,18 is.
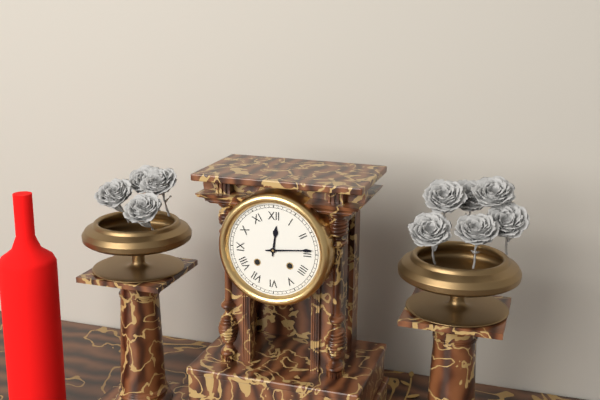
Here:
12,14
